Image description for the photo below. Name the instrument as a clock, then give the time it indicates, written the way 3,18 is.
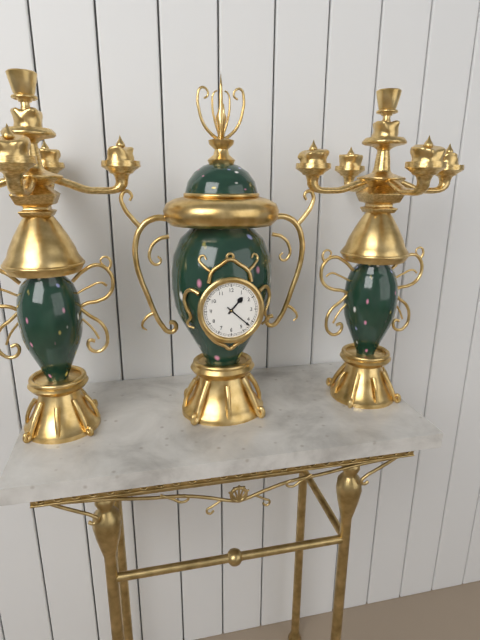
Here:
1,22
